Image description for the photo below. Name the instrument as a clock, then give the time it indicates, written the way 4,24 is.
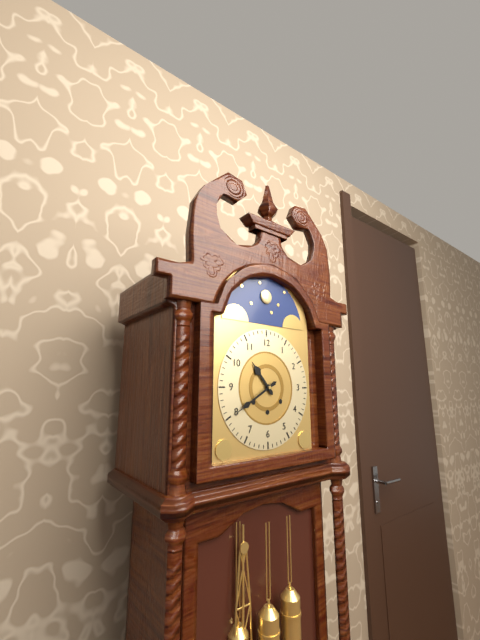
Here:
10,40
